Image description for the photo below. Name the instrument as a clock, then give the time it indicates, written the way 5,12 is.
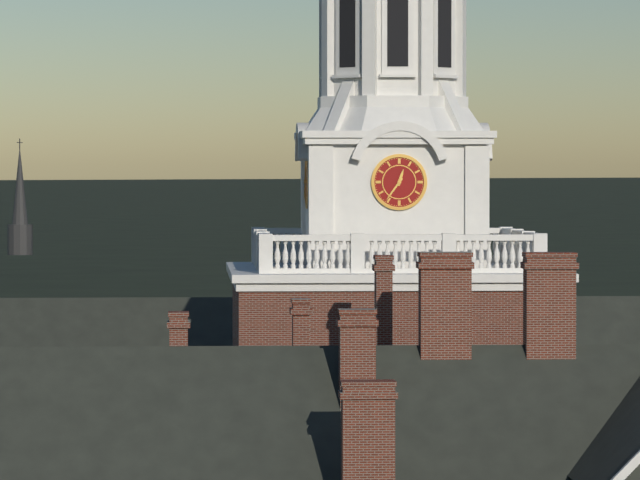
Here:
12,36
